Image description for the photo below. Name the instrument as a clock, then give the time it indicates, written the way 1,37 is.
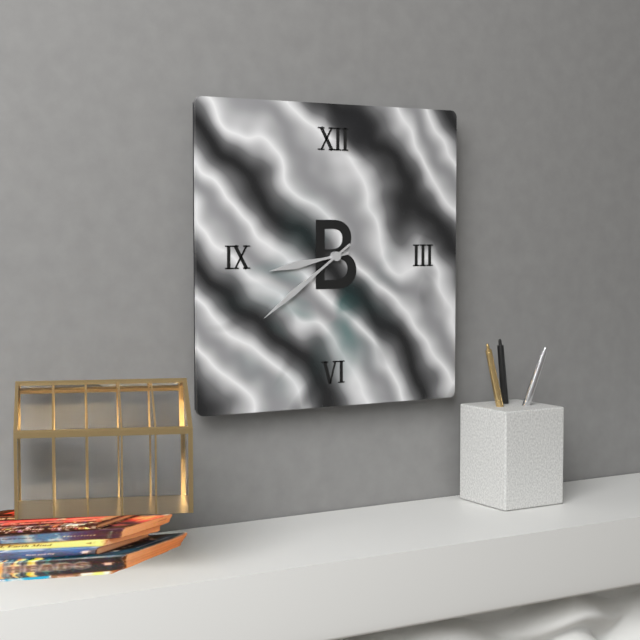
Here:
8,39
